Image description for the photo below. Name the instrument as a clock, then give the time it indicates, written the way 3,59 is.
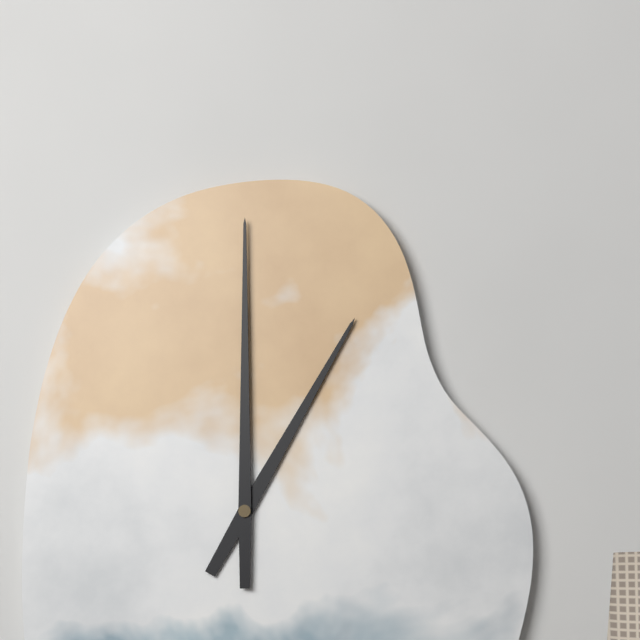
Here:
1,00
